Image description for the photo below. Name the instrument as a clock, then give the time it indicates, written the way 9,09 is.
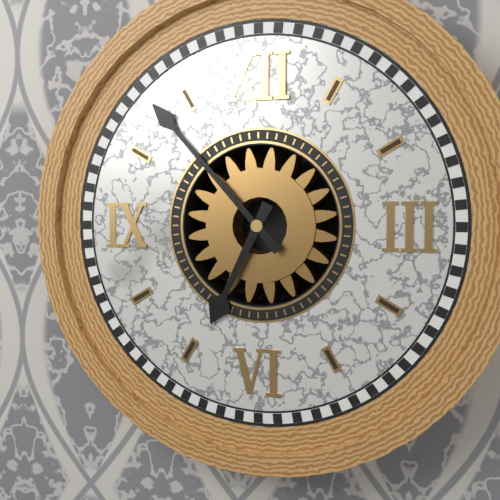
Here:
6,53
